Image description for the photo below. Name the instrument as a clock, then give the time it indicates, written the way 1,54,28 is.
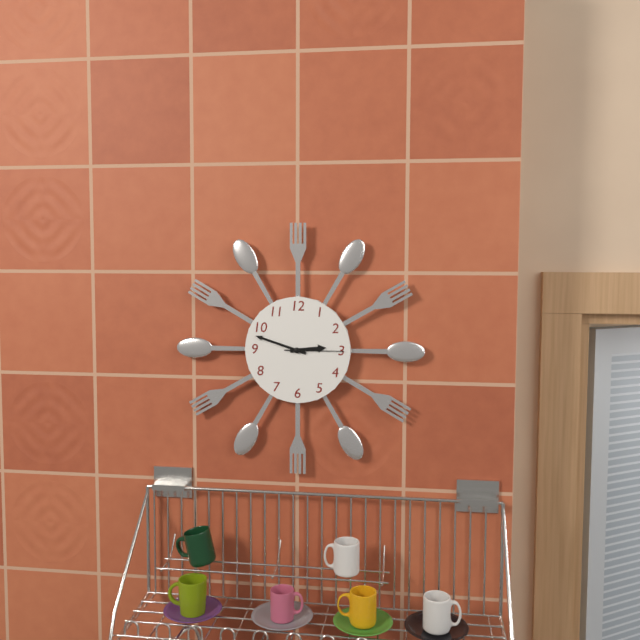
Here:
2,48,15
